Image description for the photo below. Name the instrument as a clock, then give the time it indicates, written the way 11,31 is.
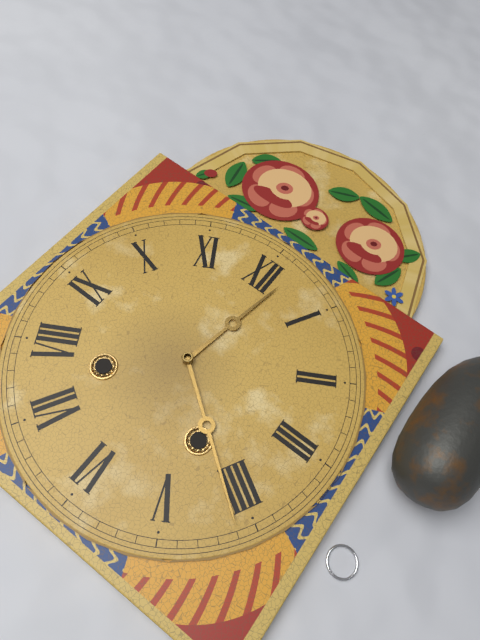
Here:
12,21
